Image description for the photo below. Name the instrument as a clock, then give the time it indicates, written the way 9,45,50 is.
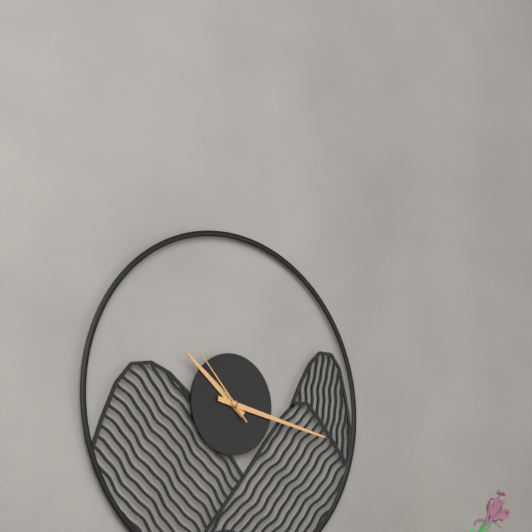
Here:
10,17,53
